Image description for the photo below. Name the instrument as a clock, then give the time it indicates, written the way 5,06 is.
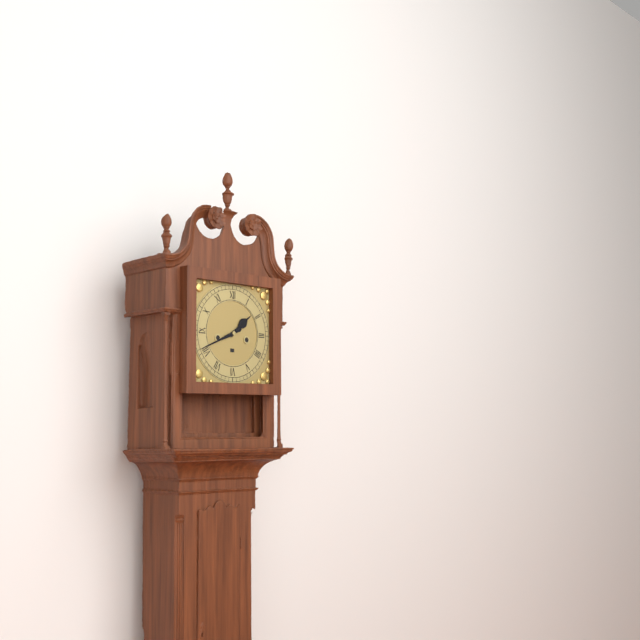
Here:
1,41
